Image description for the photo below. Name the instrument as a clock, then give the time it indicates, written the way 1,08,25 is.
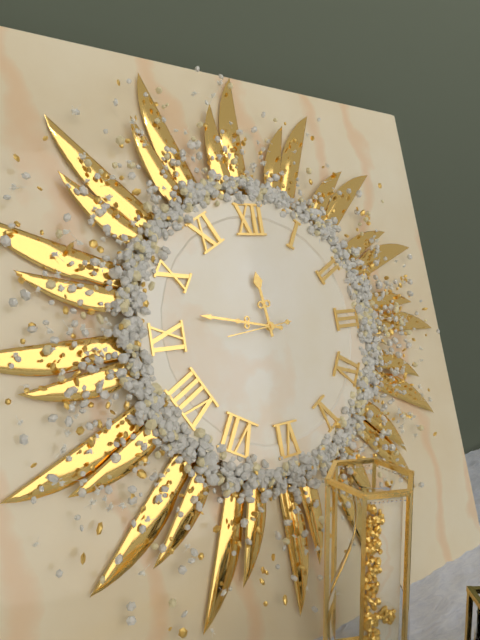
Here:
11,47,44
